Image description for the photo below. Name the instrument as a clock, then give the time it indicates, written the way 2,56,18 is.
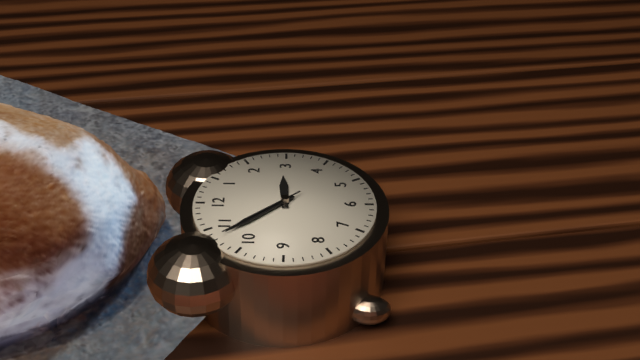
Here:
2,53,53
